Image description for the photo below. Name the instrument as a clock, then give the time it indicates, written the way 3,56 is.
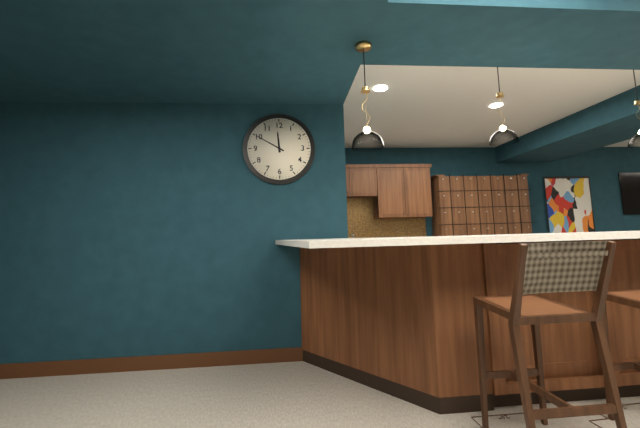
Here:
11,50
